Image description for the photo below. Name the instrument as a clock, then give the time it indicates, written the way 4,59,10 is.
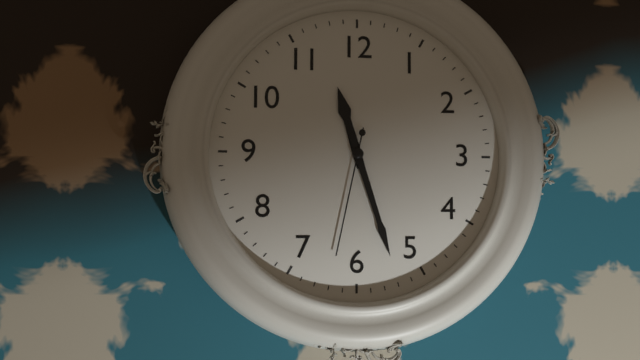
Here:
11,27,32
